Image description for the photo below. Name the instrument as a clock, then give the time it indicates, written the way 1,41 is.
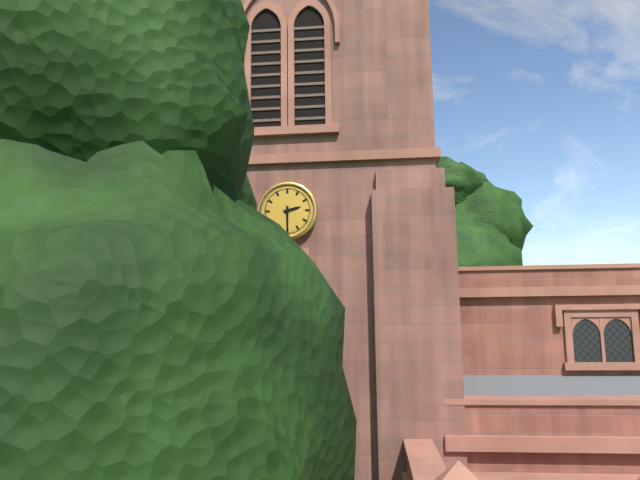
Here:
2,30
